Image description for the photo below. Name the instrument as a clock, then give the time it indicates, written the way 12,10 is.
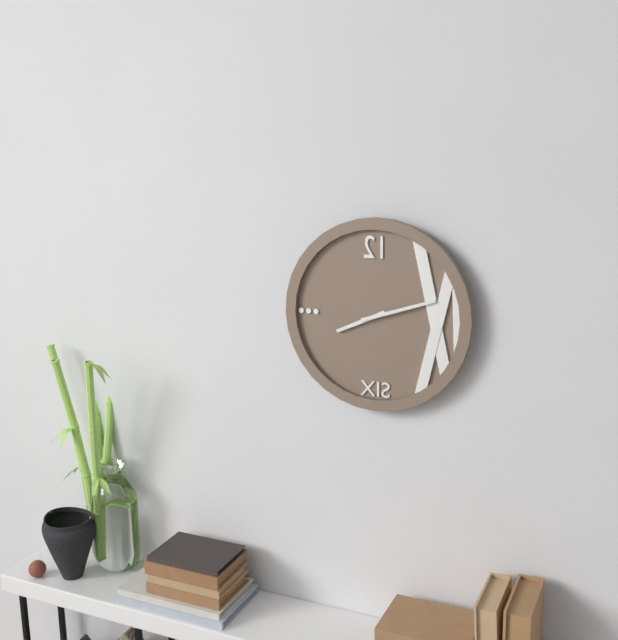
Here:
8,12
